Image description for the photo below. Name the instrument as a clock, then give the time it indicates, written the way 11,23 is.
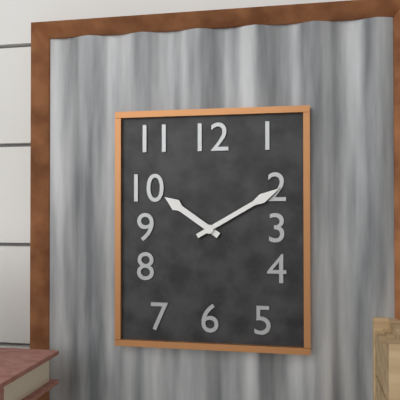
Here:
10,10
